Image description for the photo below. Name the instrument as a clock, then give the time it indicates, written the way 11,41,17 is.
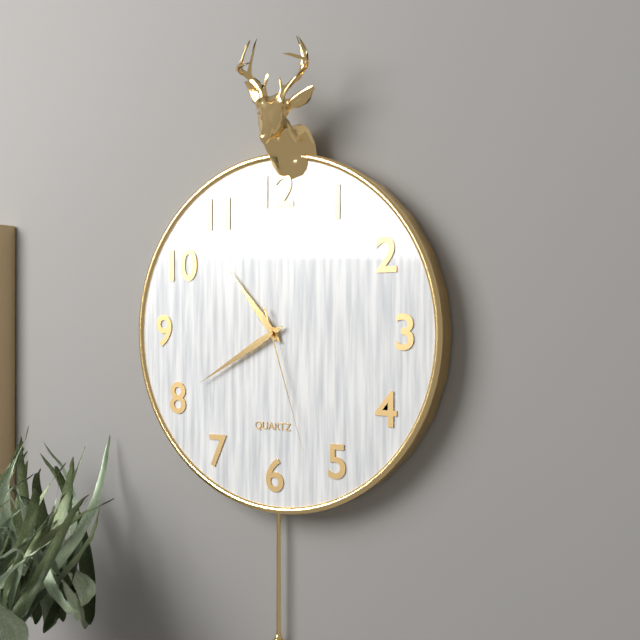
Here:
10,40,27
